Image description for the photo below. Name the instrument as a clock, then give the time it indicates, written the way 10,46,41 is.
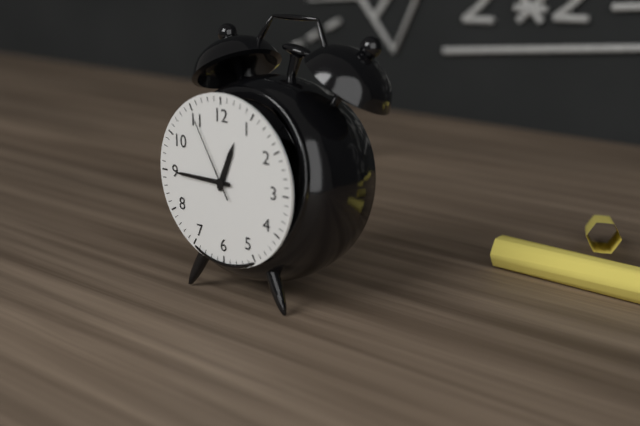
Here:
12,45,55
